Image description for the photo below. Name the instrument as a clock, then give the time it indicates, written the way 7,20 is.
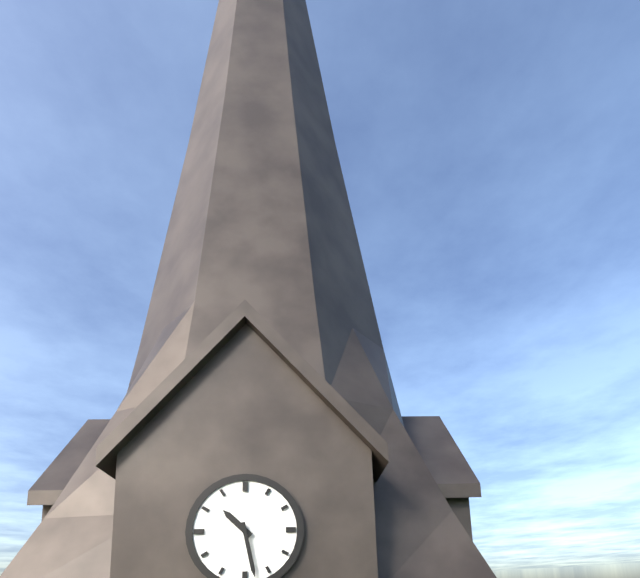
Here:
10,28
